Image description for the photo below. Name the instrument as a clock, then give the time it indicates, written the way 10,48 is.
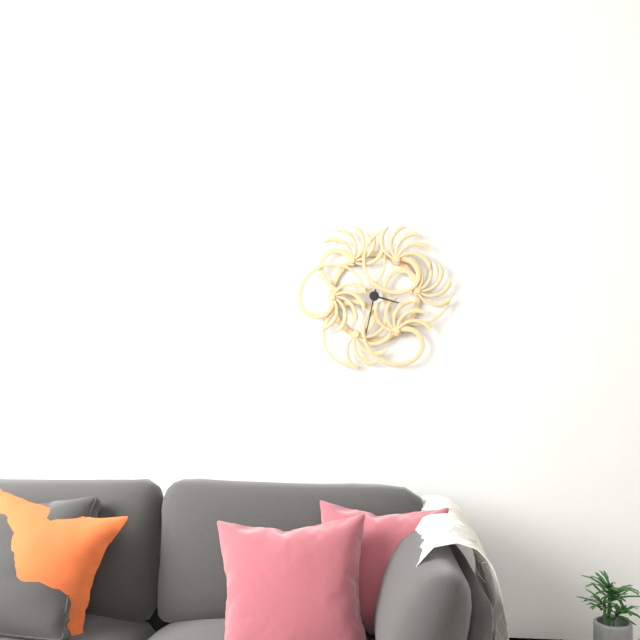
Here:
3,32
